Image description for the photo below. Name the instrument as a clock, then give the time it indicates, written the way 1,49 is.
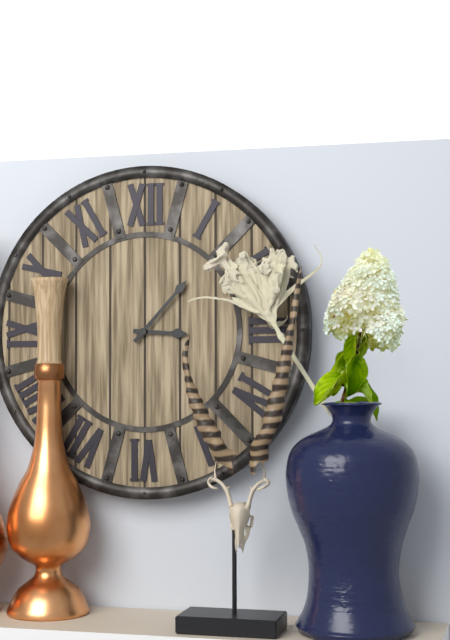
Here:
3,07
